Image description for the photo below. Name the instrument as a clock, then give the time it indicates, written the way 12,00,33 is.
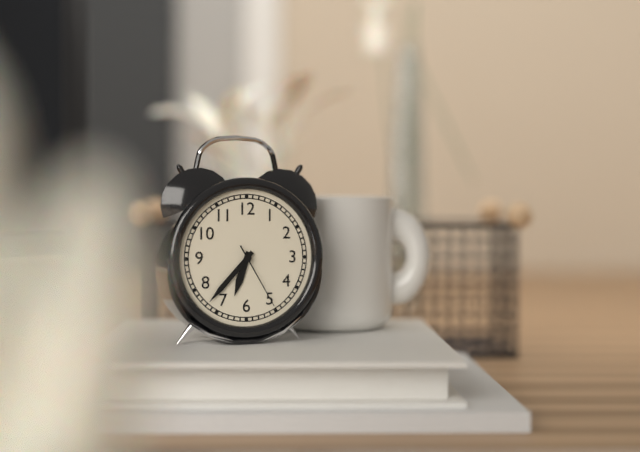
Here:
6,37,25
